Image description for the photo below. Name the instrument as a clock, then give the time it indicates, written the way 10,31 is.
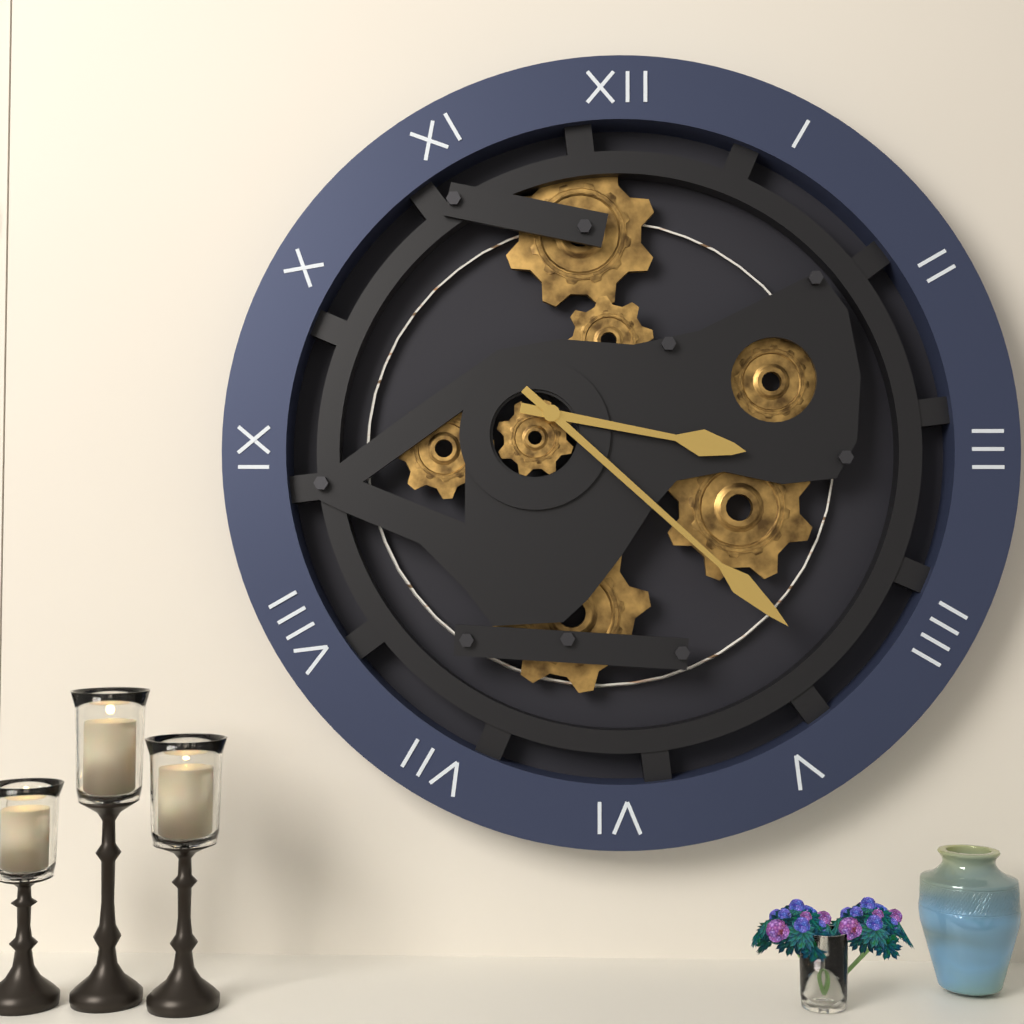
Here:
3,22
